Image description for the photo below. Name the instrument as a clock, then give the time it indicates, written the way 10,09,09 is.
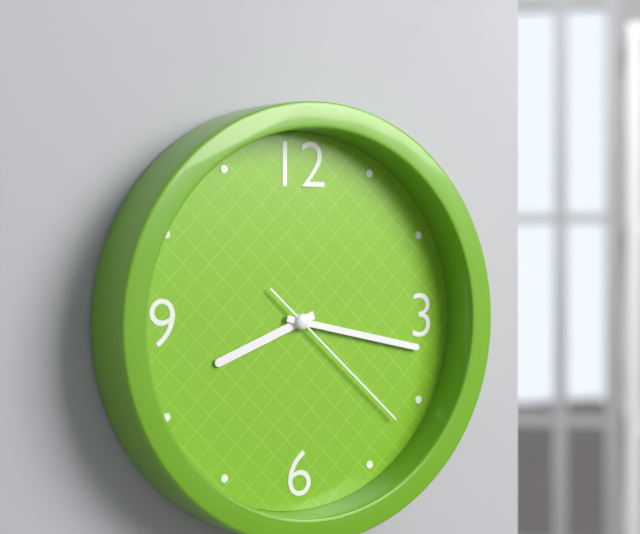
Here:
8,17,22
